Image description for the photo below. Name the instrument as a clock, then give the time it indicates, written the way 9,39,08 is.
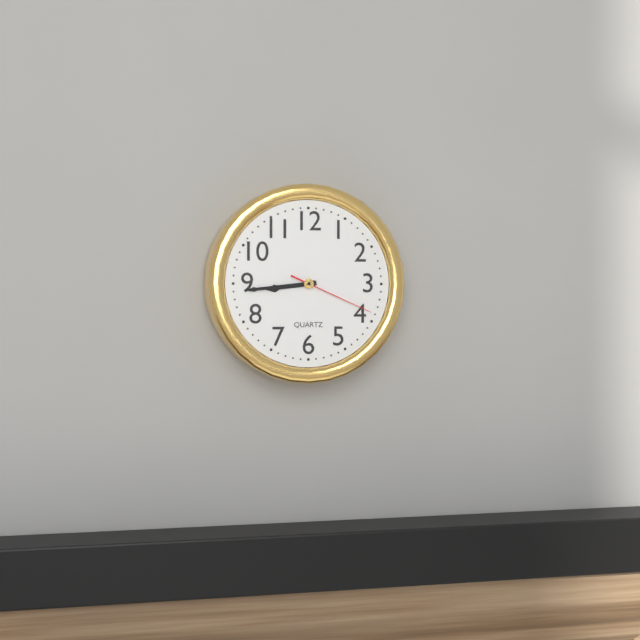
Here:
8,44,19
